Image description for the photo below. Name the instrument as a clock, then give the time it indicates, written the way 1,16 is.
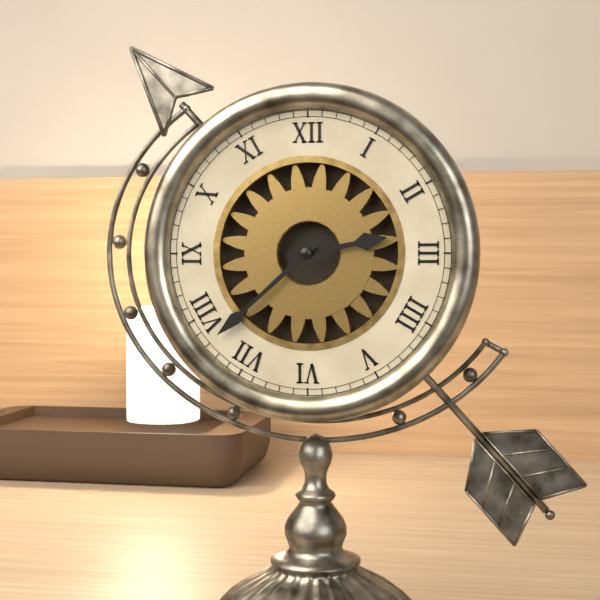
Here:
2,38
